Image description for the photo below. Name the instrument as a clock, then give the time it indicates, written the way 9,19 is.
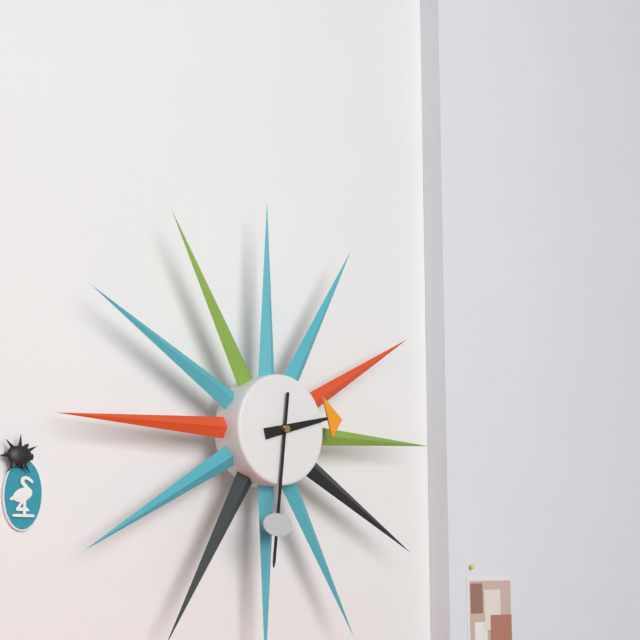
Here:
2,31
